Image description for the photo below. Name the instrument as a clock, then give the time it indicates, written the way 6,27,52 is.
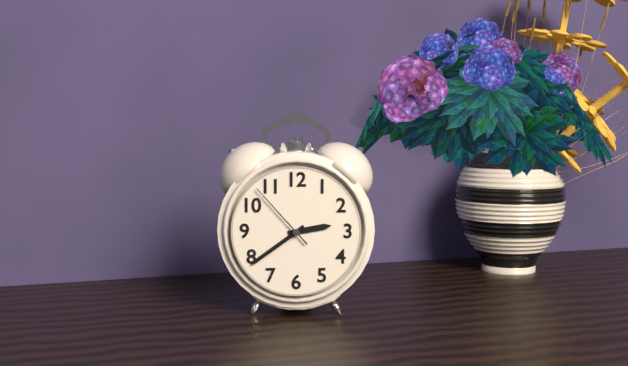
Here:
2,39,53
